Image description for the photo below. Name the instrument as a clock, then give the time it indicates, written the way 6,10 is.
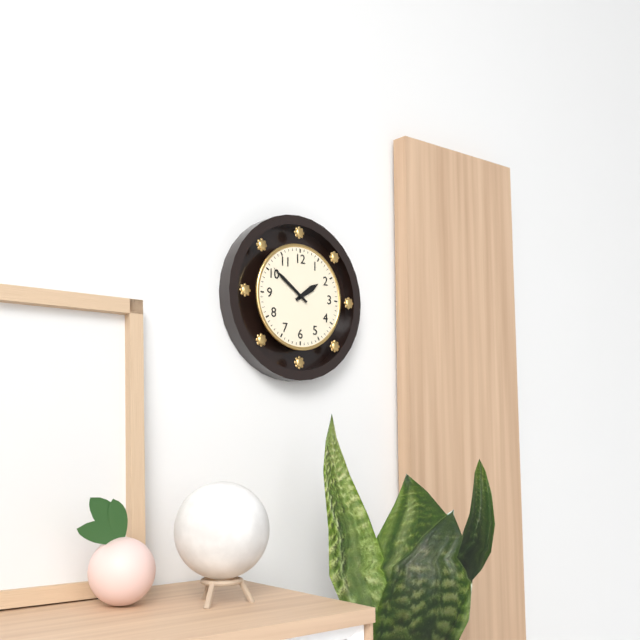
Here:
1,51
